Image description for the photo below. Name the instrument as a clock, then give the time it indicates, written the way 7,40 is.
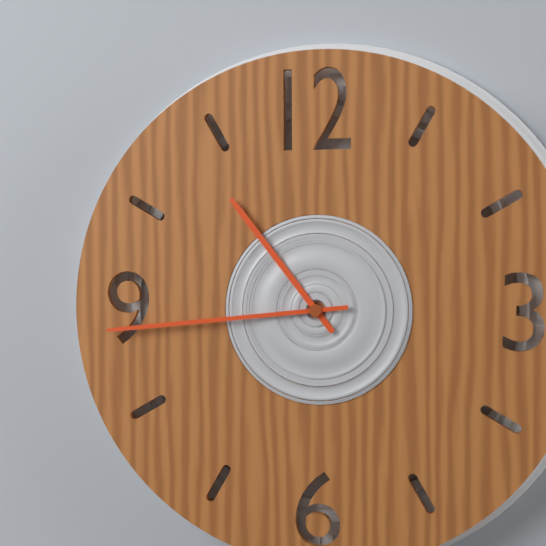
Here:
10,44
